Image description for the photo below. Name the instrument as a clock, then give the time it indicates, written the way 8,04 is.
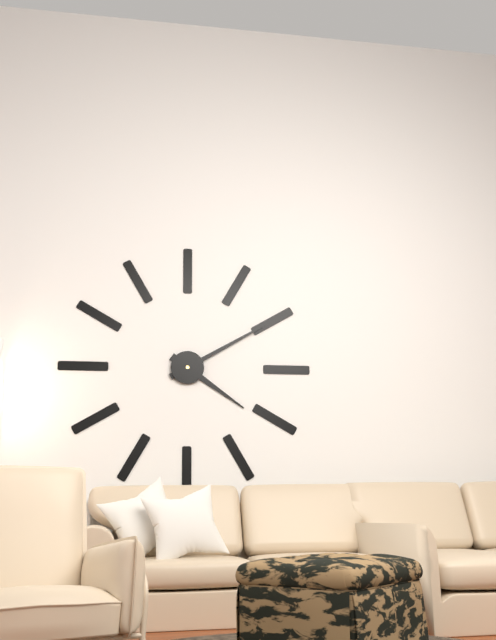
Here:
4,10
